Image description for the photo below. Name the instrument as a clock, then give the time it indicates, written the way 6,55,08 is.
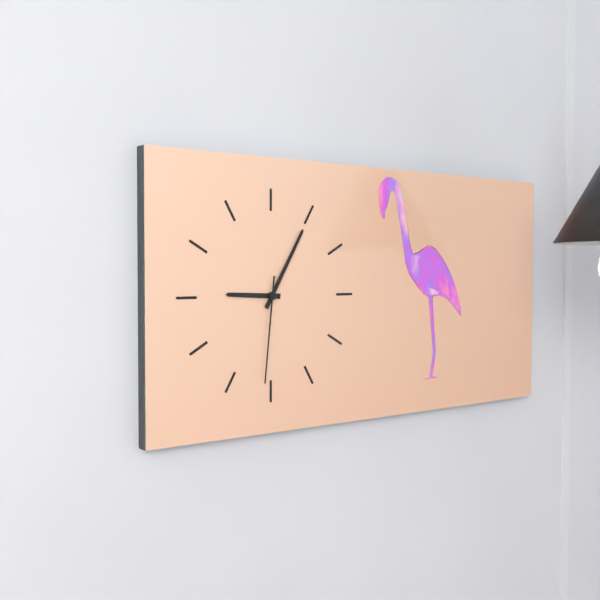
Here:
9,05,31
